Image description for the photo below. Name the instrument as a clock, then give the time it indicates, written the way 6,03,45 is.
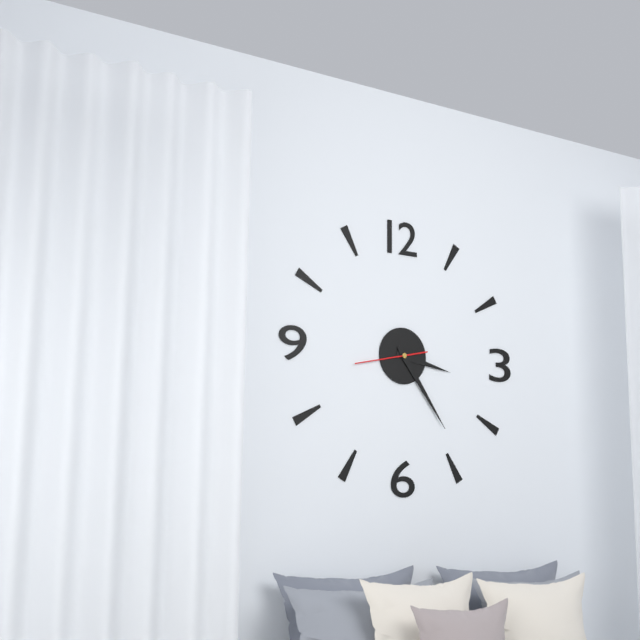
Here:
3,24,43
